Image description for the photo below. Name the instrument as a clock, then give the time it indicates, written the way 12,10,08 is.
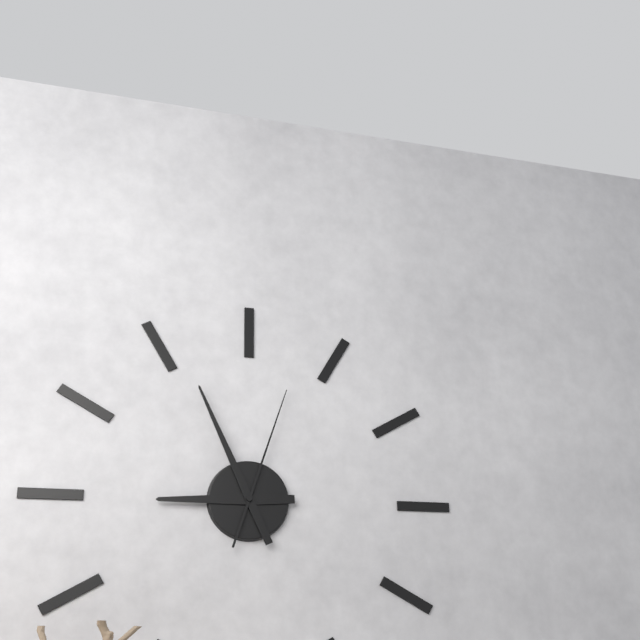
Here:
8,56,03
